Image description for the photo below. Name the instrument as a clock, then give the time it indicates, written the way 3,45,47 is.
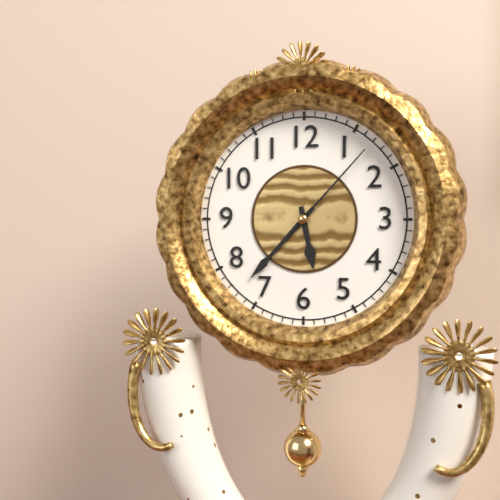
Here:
5,37,07
